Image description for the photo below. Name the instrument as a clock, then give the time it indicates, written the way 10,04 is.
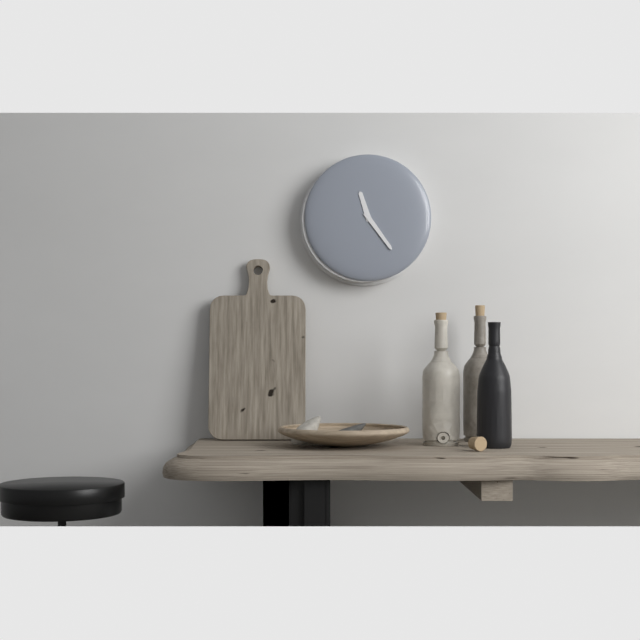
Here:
11,24
